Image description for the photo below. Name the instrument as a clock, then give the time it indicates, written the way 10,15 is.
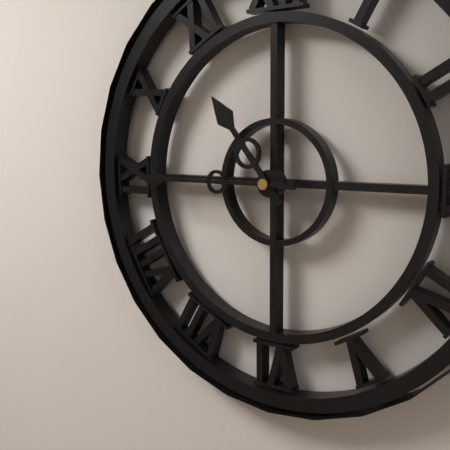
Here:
10,45
